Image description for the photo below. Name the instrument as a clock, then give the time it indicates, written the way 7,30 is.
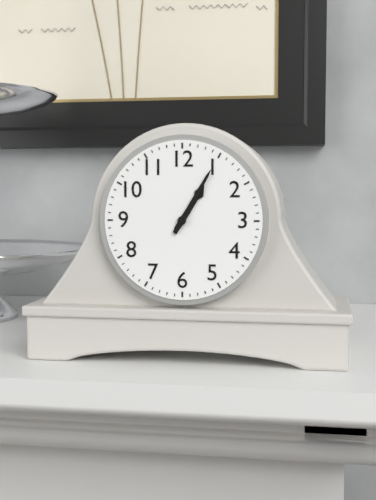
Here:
1,05
